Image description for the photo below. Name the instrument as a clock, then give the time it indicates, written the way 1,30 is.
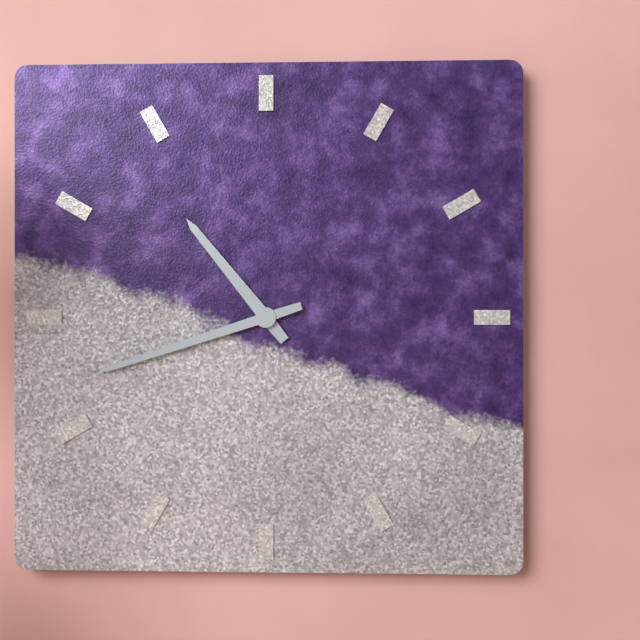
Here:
10,42
